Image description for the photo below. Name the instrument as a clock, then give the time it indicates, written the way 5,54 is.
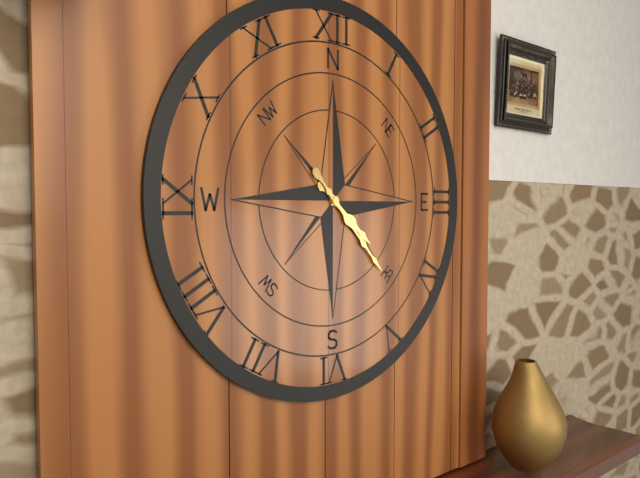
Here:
4,23
